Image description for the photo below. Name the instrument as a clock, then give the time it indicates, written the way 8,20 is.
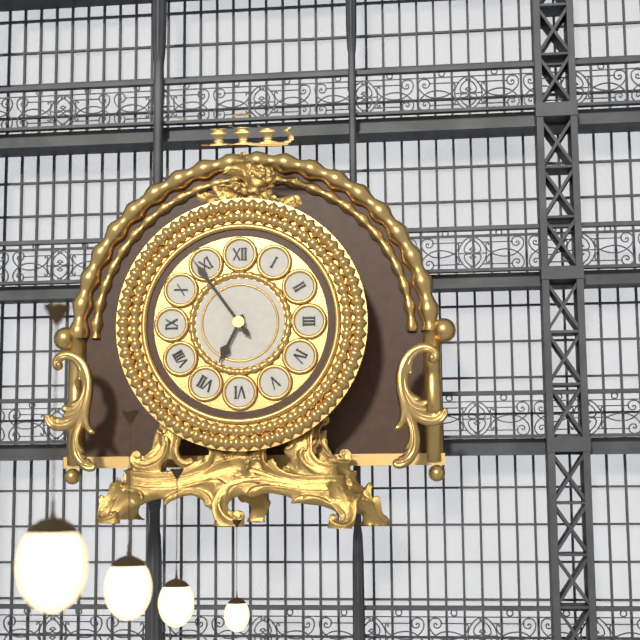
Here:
6,54
